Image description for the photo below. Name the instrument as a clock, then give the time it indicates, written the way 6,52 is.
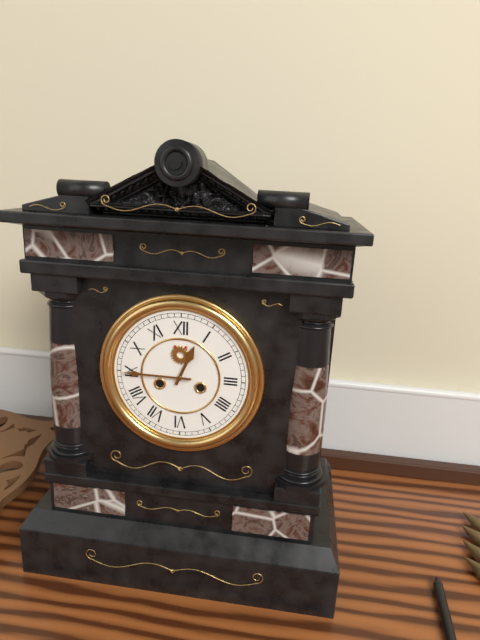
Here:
12,45
